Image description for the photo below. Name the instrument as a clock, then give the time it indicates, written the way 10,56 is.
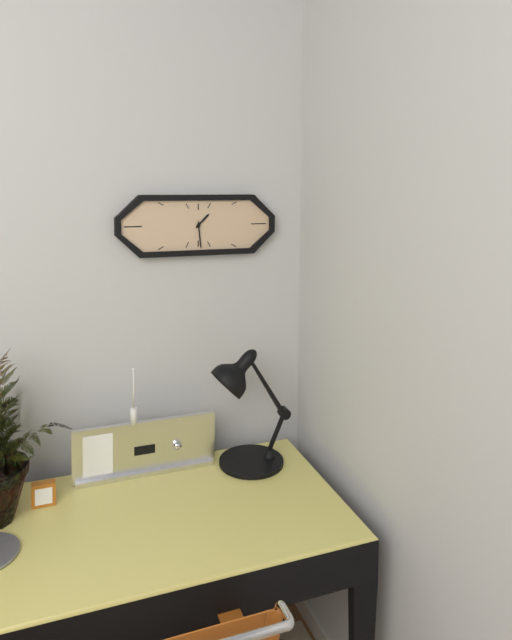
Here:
1,29
